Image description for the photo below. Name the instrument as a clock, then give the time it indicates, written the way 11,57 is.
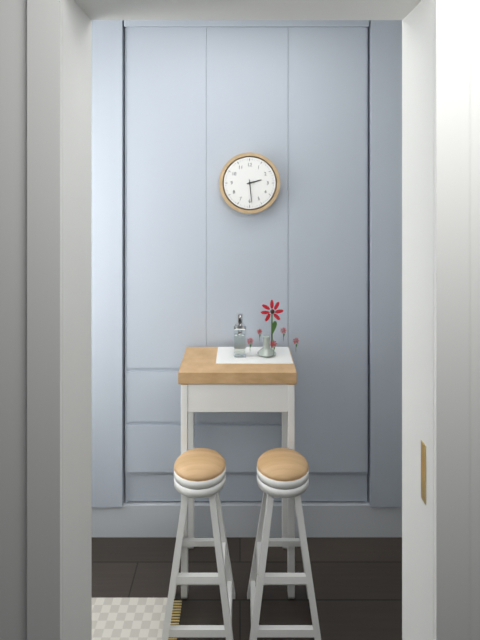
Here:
2,29
